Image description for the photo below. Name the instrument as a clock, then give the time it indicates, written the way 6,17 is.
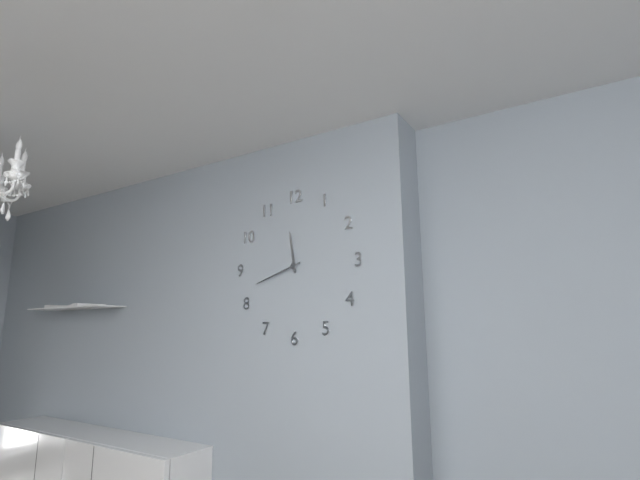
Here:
11,42
